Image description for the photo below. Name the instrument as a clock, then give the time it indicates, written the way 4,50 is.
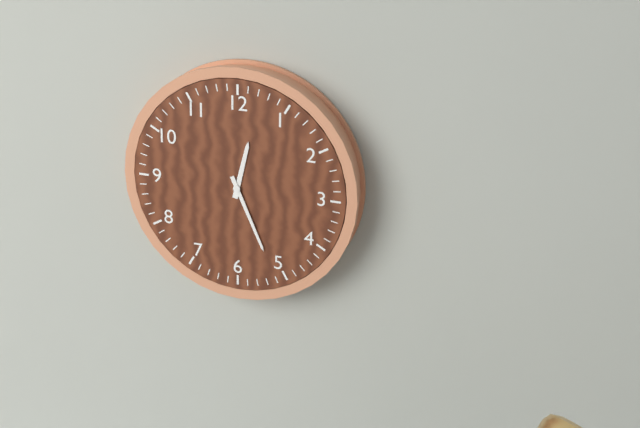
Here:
12,26
